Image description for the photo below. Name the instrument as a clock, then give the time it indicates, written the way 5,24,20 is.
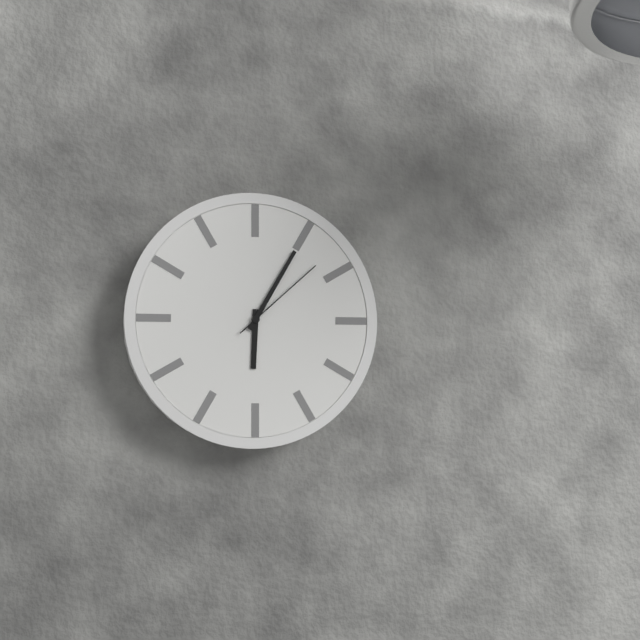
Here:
6,05,08
